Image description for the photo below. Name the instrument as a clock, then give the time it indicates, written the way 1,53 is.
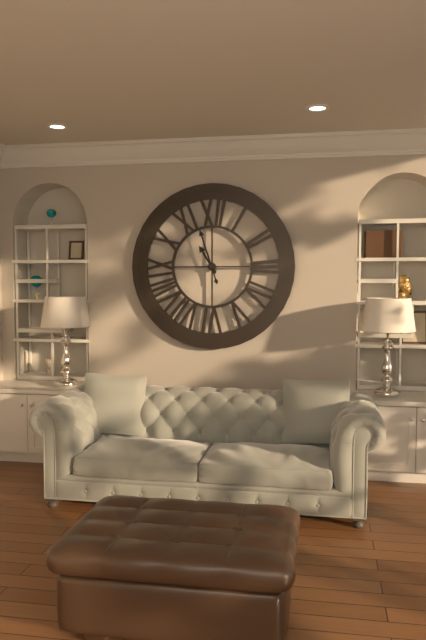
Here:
10,57
